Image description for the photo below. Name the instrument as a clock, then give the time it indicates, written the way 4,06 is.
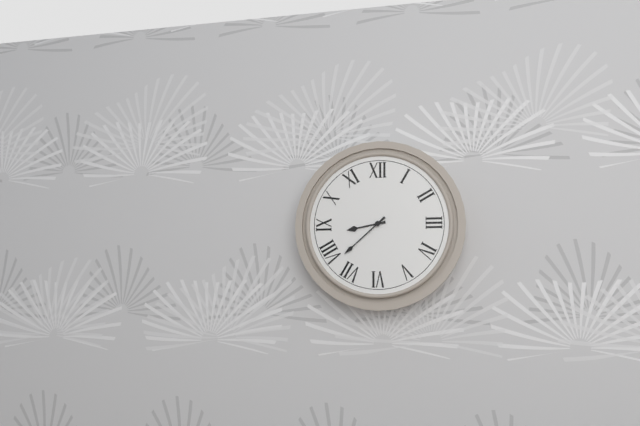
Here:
8,38
